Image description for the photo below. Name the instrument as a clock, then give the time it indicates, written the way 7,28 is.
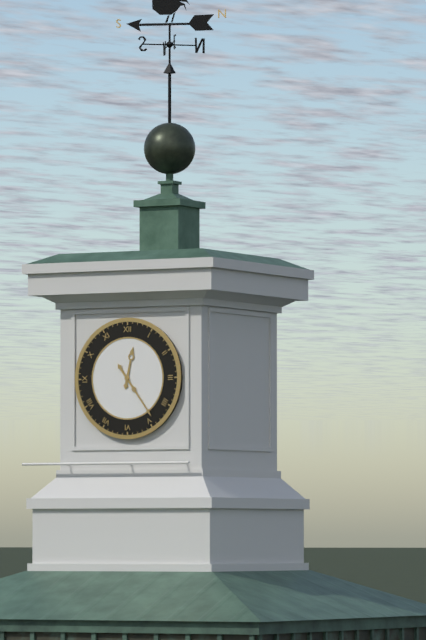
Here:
12,24
